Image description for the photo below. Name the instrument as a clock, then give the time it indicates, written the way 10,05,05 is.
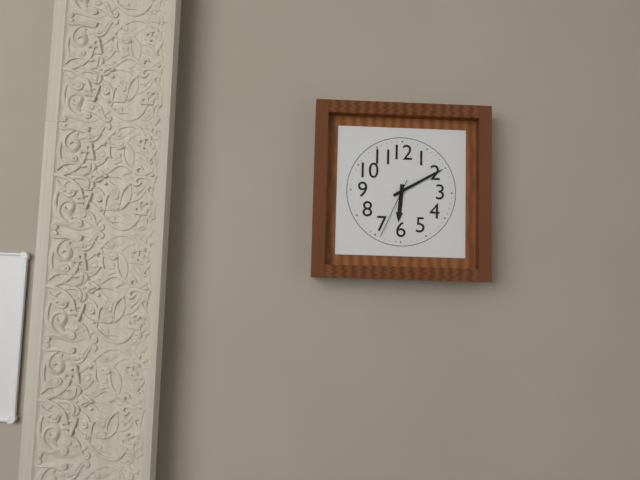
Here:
6,10,34
